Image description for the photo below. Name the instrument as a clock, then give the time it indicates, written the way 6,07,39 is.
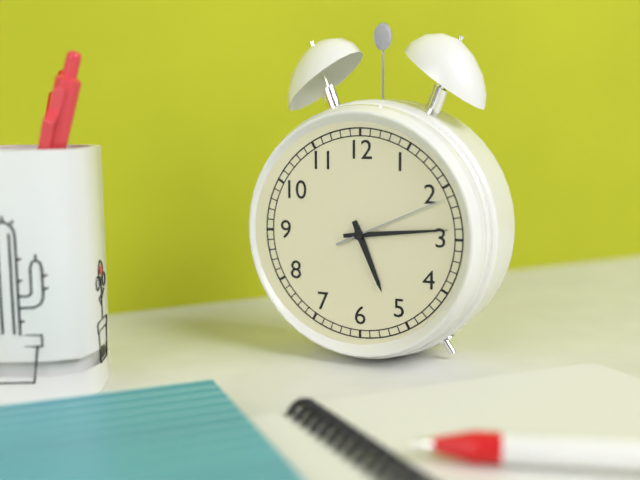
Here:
5,14,11
